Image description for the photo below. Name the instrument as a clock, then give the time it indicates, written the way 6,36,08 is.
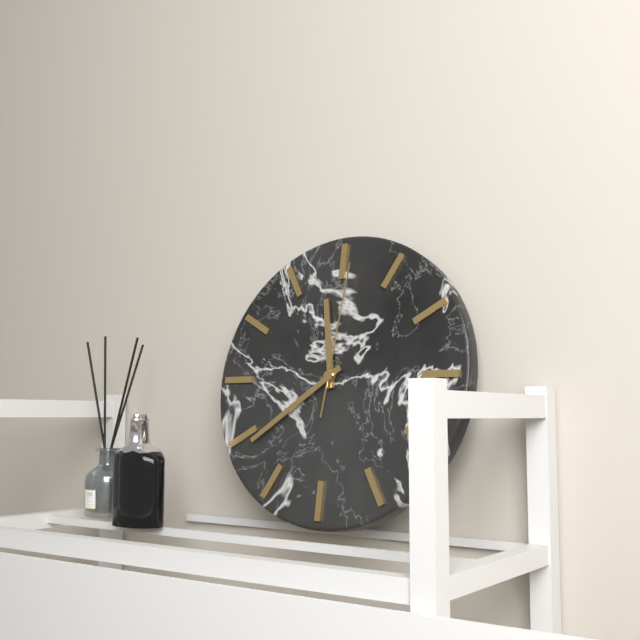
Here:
11,39,01
